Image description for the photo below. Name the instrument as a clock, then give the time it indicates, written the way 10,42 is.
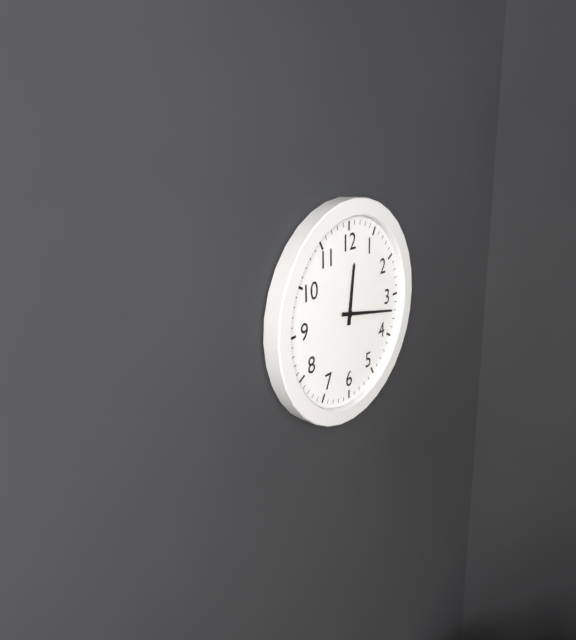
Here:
12,17
